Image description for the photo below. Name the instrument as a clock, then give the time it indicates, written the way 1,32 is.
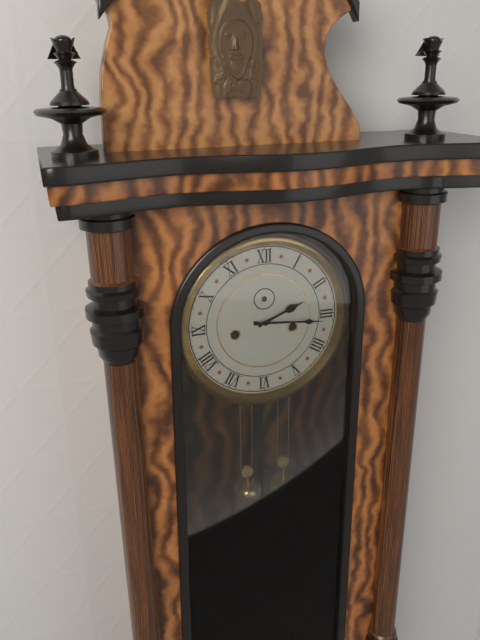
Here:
2,16
